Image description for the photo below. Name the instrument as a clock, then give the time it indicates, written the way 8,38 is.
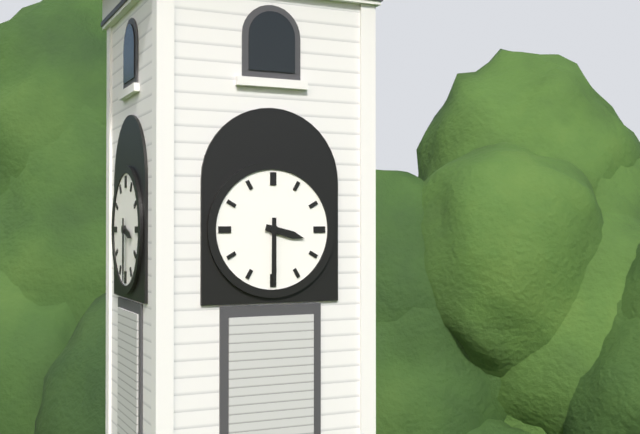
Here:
3,30
